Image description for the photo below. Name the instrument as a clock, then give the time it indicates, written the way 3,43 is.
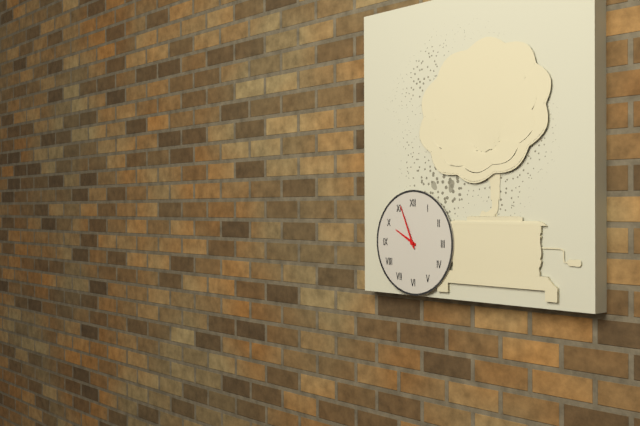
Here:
9,56
